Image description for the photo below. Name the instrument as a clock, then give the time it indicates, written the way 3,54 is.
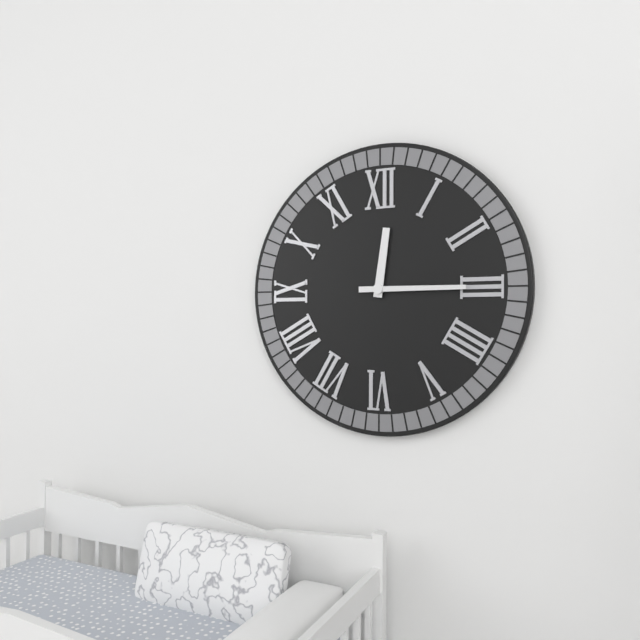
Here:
12,15
